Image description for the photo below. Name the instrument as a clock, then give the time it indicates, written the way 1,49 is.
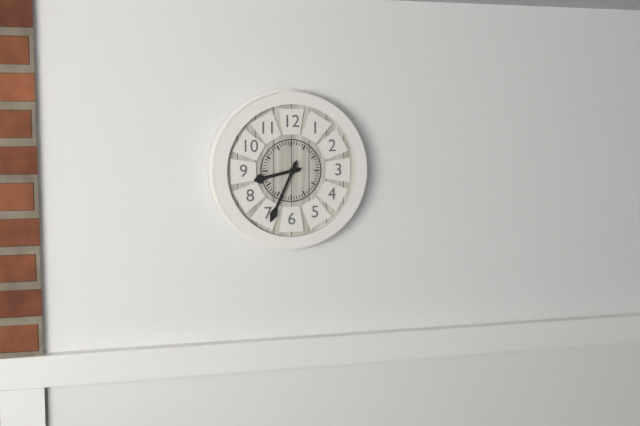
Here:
8,34
